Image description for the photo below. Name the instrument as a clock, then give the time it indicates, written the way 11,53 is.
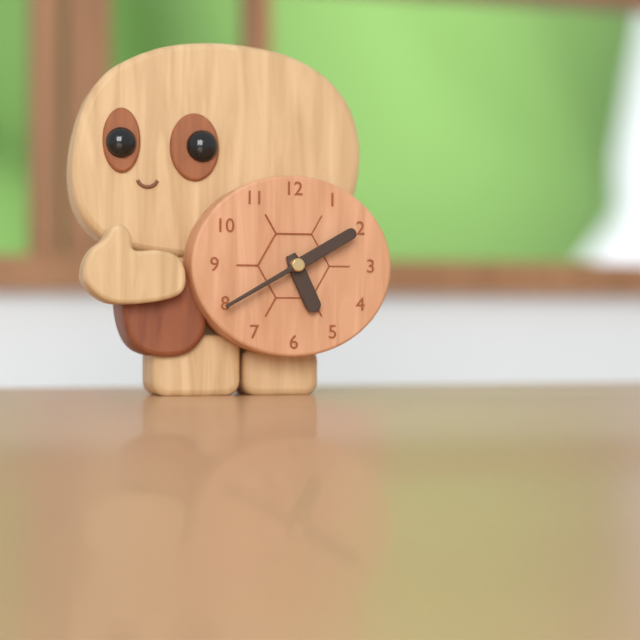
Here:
5,10
